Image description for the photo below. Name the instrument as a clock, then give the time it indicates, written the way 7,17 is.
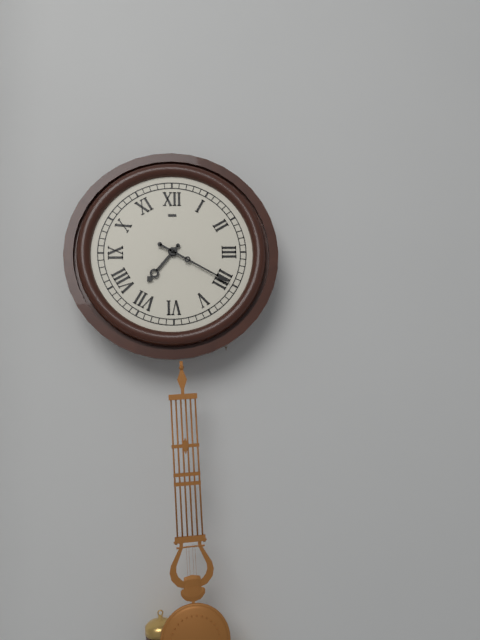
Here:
7,20
